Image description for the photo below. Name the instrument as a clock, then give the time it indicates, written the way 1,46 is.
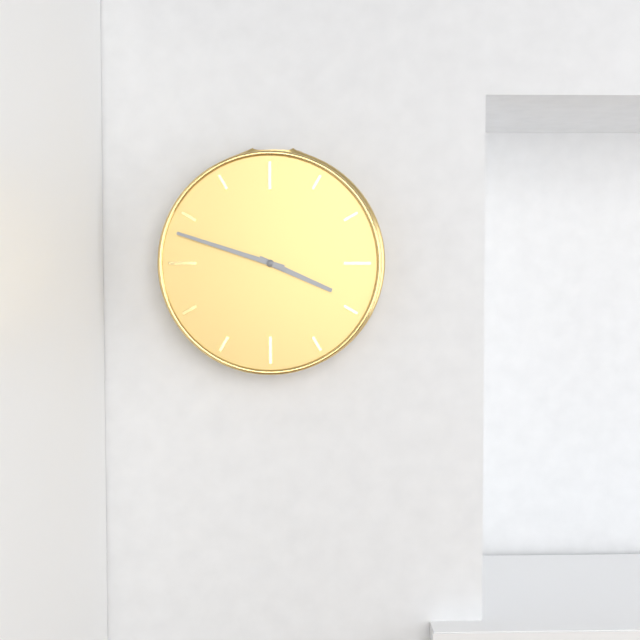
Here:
3,48
